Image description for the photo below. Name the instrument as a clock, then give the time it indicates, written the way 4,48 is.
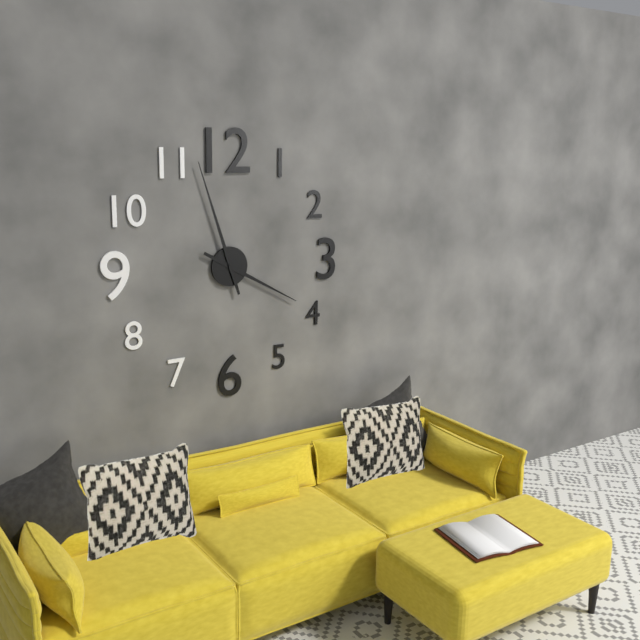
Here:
3,57
